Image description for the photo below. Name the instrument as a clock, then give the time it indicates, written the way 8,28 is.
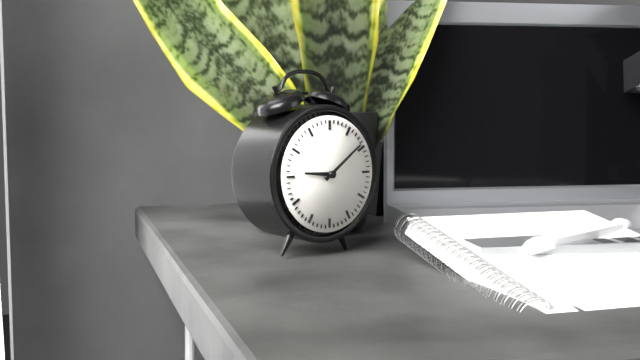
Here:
9,09
